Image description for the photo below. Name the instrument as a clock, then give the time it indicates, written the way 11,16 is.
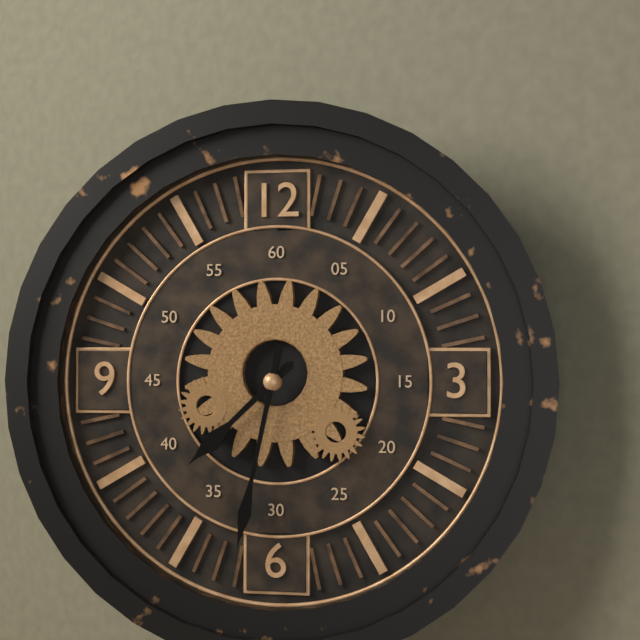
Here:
7,32
